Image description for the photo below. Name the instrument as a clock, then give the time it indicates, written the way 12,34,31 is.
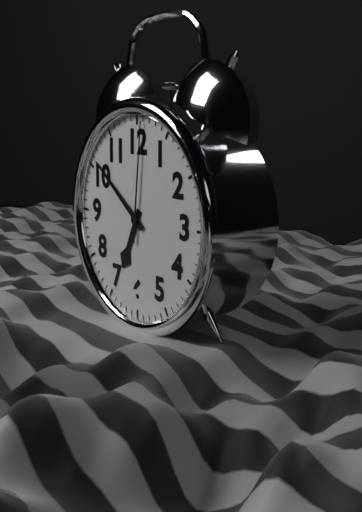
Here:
6,51,01
